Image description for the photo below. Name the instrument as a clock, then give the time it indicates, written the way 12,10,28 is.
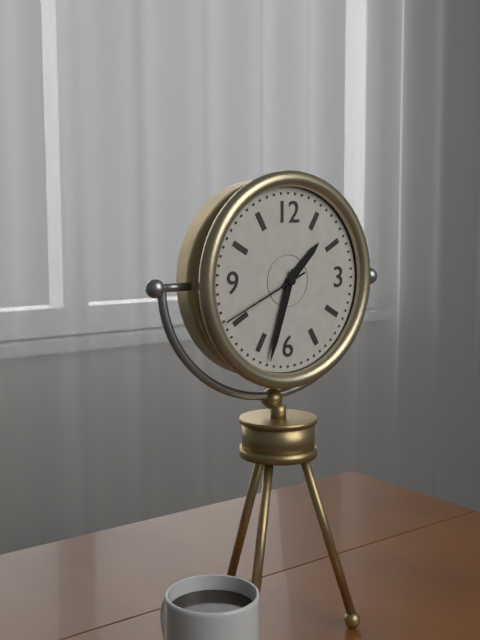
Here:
1,33,41
